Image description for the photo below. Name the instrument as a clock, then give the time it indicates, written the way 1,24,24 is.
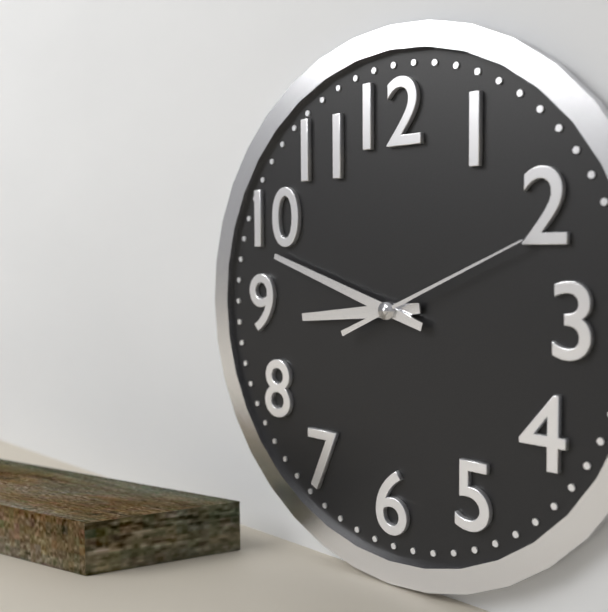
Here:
8,48,11
